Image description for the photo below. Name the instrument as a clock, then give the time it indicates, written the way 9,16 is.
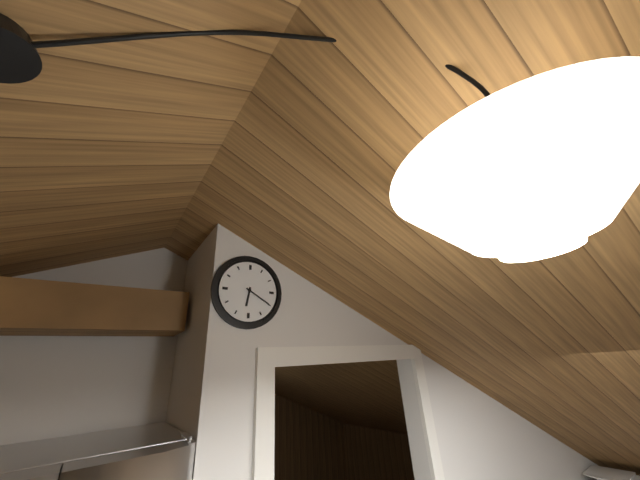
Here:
6,20
